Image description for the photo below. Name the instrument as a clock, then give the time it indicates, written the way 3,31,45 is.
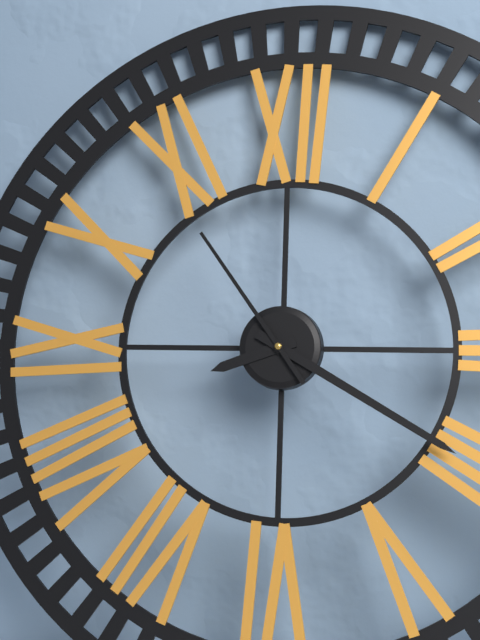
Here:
8,20,54
